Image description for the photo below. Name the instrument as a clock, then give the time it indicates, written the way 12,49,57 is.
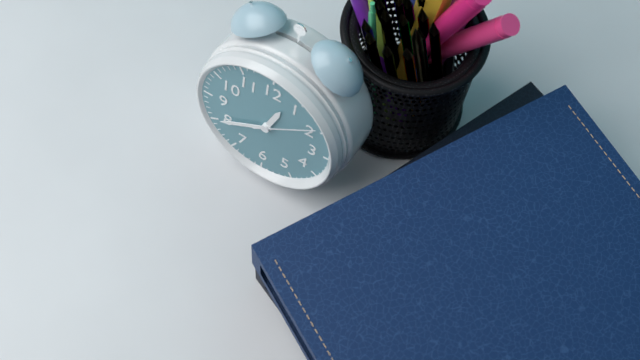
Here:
12,40,09
